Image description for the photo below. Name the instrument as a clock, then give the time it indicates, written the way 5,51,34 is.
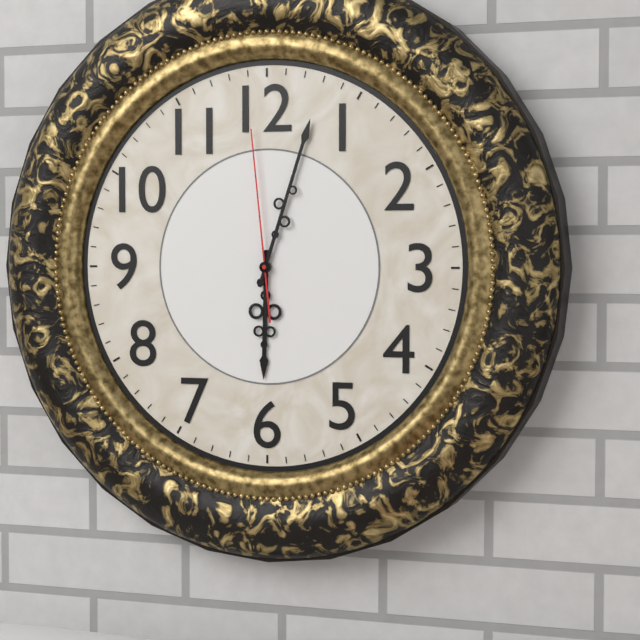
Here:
6,03,59
